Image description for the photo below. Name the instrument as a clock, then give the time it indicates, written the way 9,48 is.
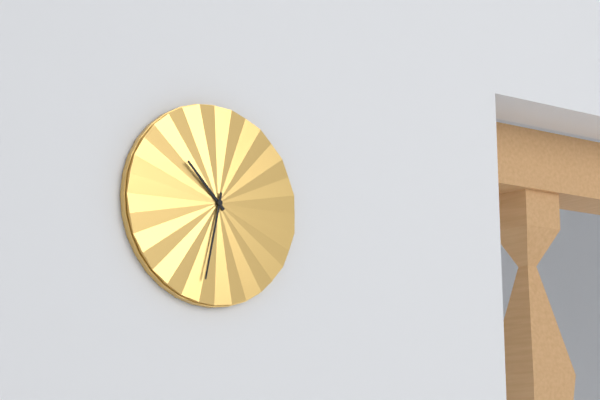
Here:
10,32
